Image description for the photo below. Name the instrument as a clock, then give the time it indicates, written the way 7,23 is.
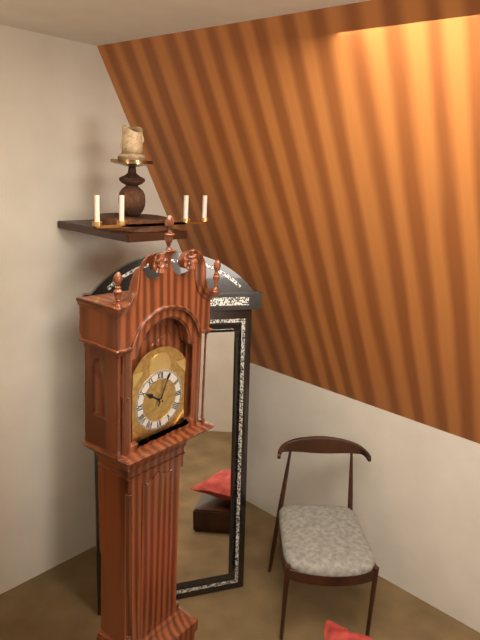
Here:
10,04
